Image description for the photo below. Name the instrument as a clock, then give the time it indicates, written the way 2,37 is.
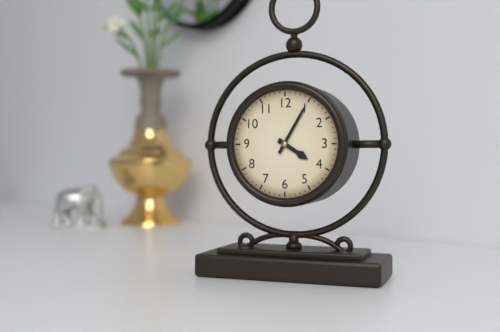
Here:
4,05
